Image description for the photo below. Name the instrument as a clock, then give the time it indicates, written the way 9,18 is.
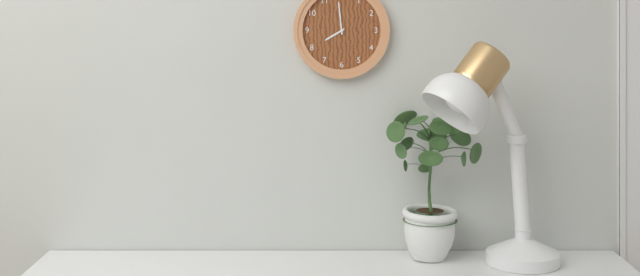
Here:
7,59
